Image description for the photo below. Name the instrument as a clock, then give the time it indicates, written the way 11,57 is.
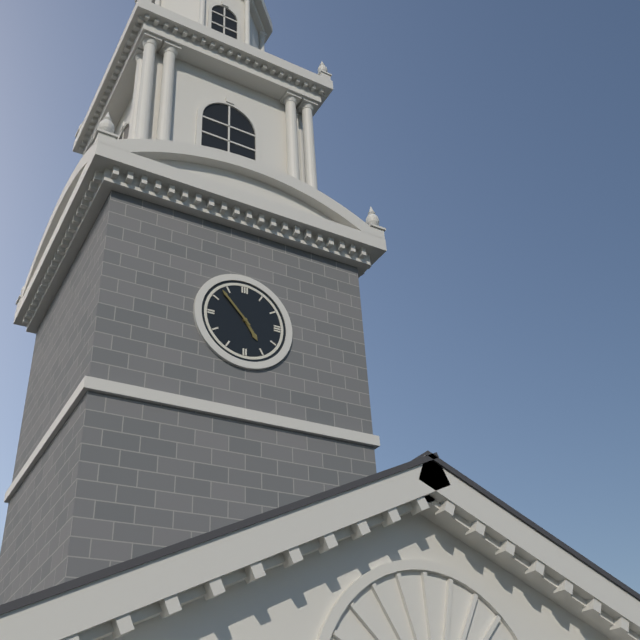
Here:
4,53
